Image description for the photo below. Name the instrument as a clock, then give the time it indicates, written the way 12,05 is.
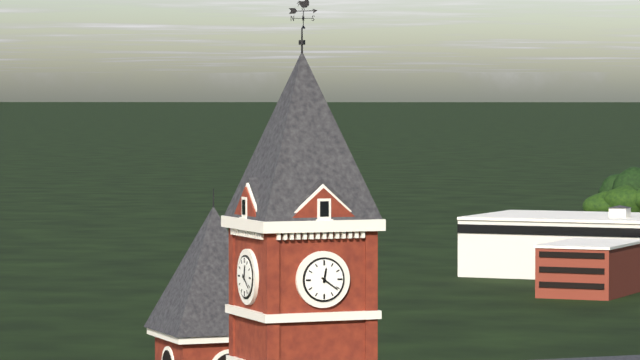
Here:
12,21
